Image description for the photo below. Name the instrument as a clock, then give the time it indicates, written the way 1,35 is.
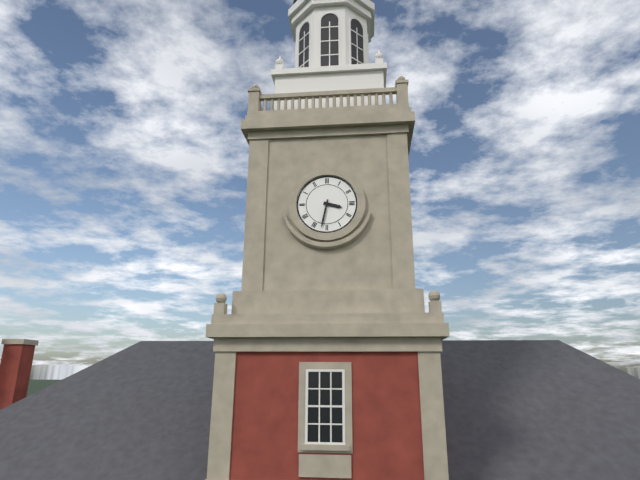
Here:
3,32
